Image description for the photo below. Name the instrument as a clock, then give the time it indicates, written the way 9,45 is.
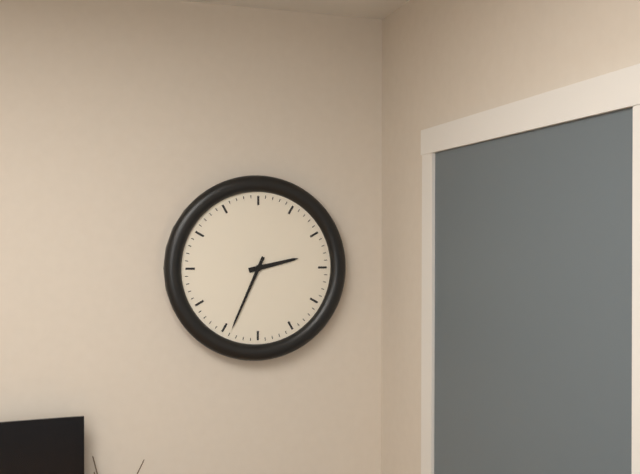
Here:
2,34
